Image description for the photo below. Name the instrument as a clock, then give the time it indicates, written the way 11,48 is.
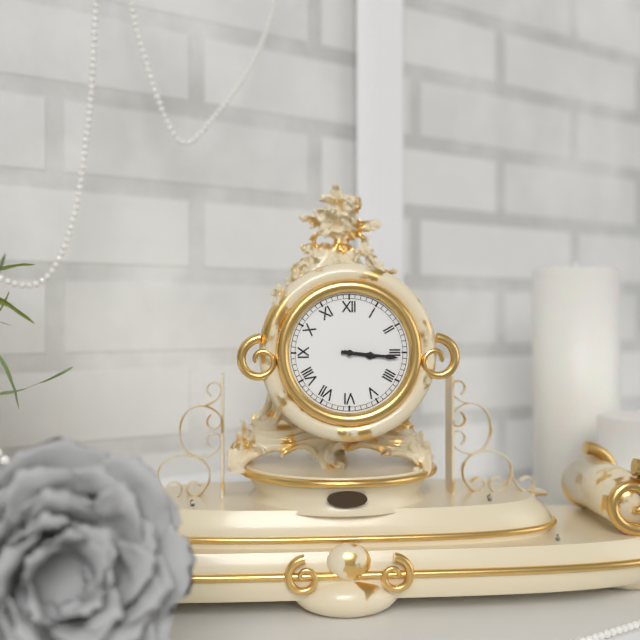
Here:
3,16
